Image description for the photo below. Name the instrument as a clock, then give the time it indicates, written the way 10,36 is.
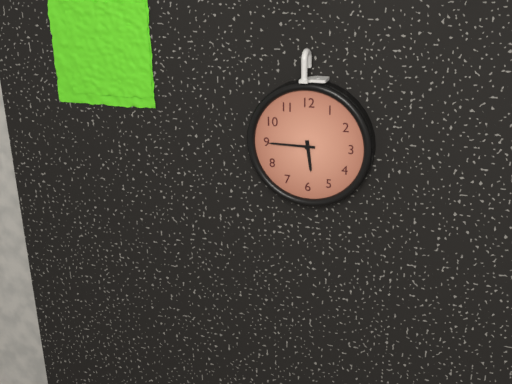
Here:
5,45
